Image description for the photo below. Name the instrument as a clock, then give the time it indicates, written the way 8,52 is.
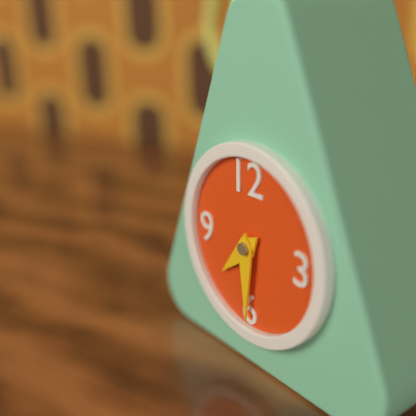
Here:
7,30
